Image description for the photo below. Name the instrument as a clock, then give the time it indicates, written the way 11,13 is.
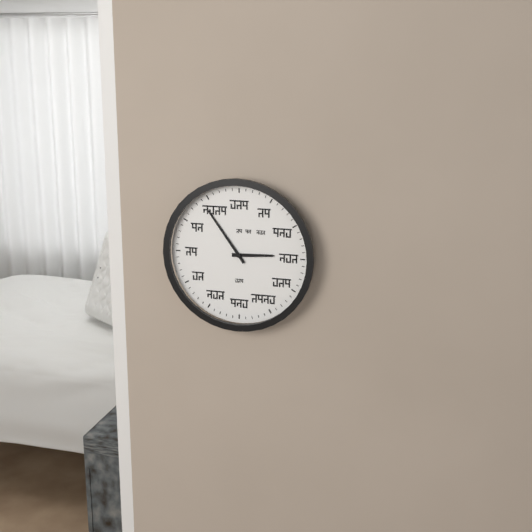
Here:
2,54
